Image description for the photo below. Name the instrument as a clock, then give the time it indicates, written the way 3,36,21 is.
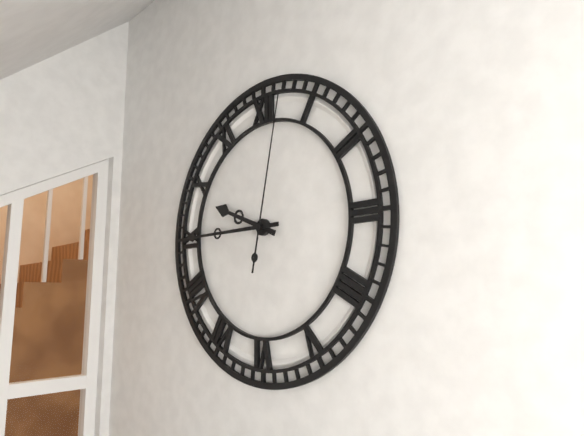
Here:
9,45,02
